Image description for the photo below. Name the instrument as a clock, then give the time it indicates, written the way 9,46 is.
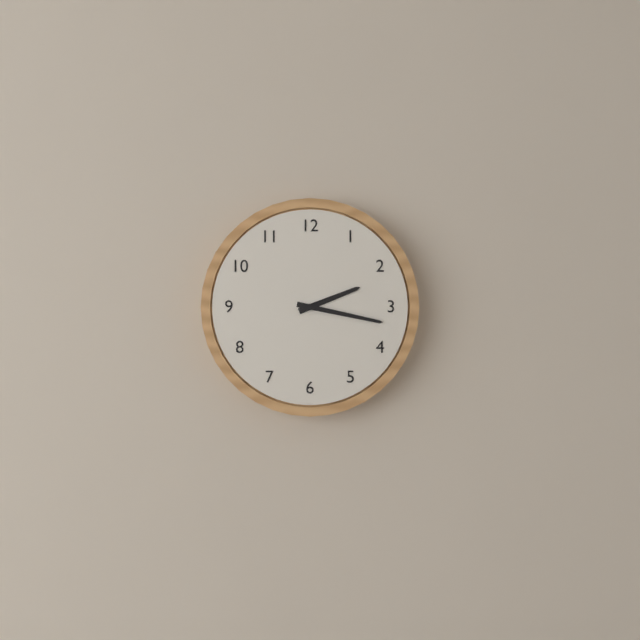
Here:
2,17
